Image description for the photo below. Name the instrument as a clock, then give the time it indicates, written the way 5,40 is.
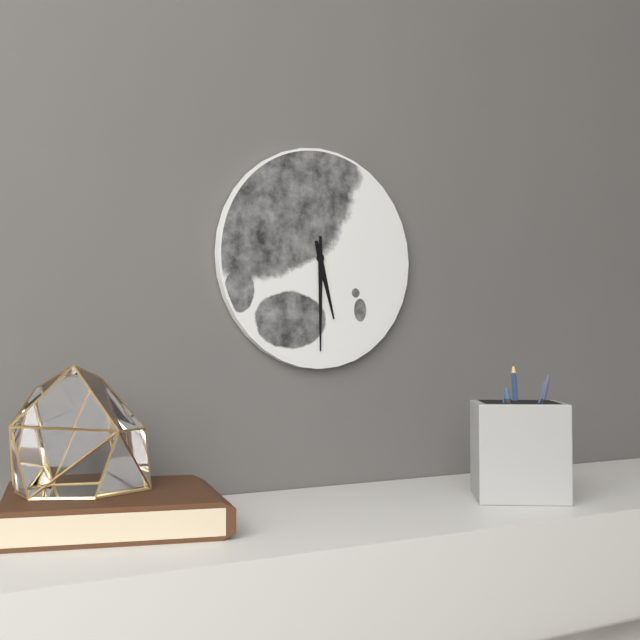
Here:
5,30
